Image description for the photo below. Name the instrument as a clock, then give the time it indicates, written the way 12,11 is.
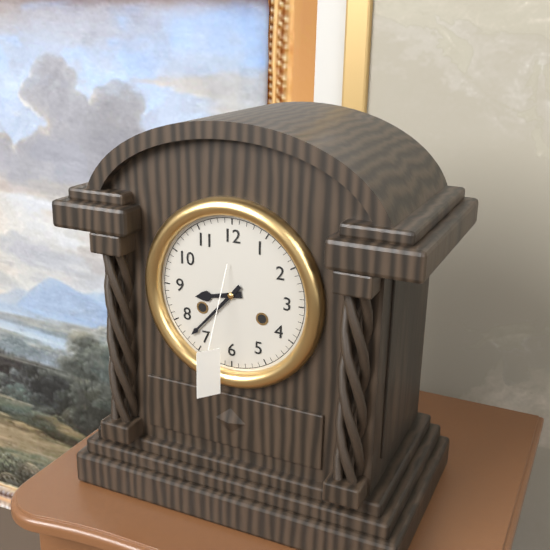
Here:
8,37
